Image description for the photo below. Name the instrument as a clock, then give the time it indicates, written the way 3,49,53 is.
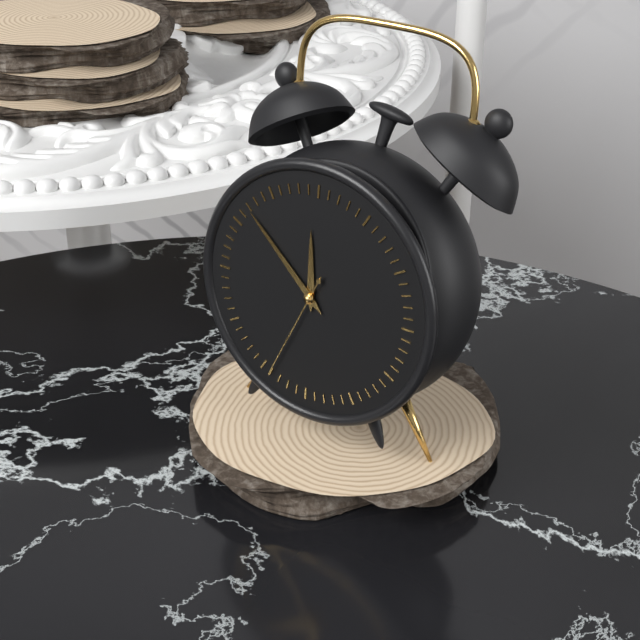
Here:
11,52,34
